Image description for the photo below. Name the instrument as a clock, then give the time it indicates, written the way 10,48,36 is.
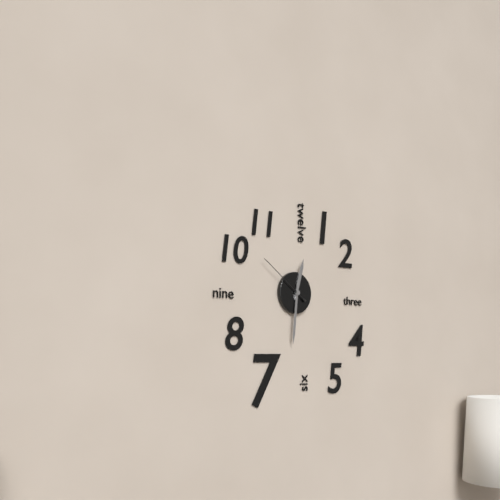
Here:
12,31,51
